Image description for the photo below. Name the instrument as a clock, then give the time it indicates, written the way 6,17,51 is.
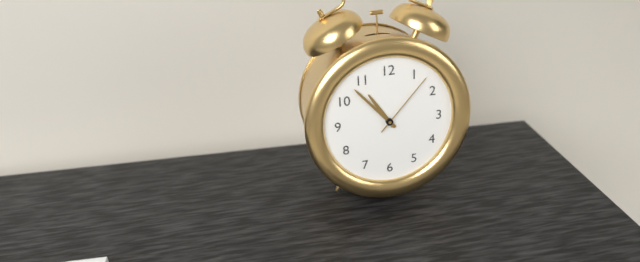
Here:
10,53,07
